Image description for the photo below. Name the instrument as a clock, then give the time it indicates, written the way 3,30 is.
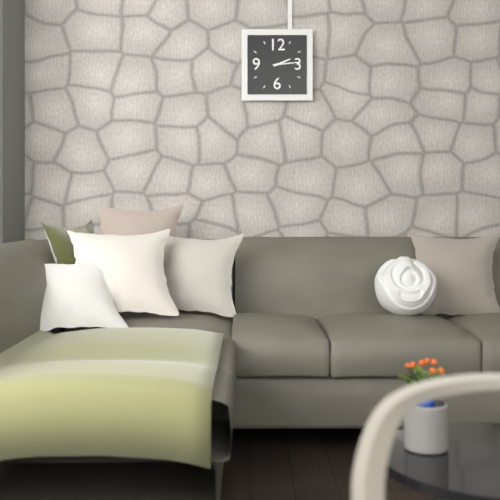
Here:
2,14
